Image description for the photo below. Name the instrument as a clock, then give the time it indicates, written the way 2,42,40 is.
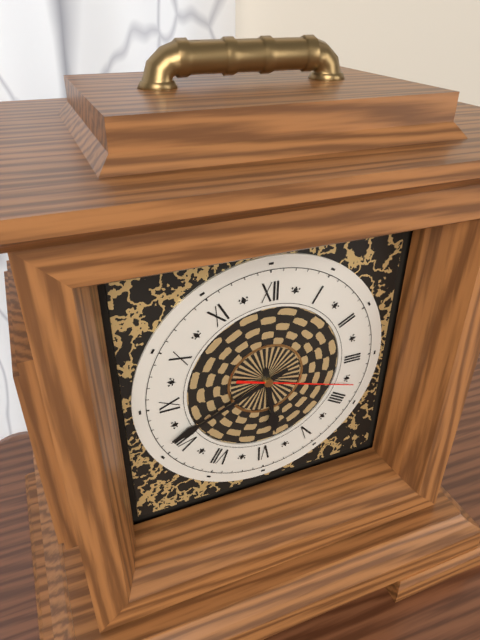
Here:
5,41,18
